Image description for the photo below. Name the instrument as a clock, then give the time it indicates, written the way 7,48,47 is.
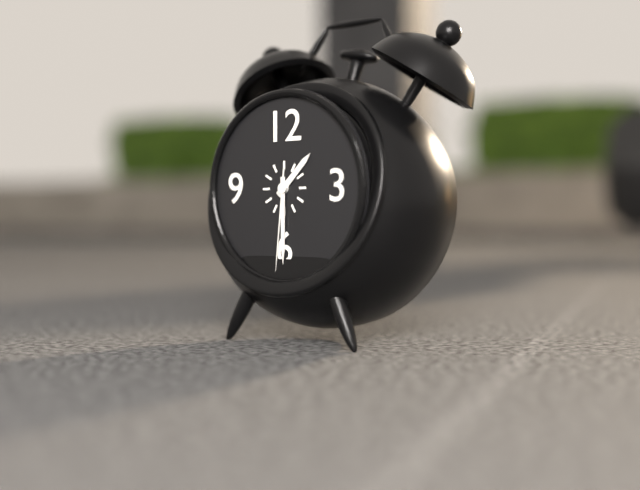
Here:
1,30,31
